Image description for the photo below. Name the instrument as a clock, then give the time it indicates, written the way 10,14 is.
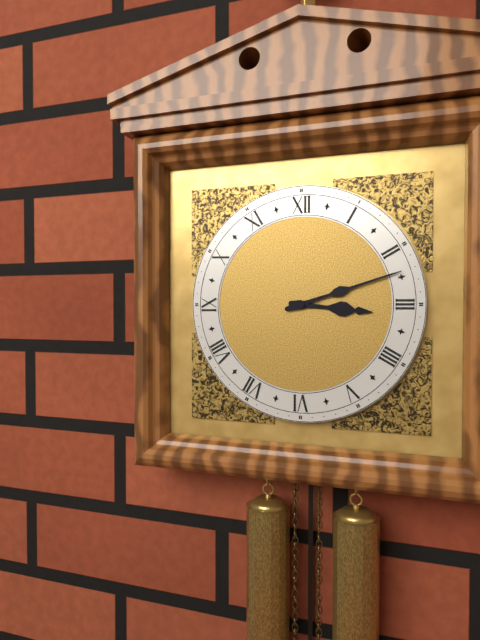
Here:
3,12
